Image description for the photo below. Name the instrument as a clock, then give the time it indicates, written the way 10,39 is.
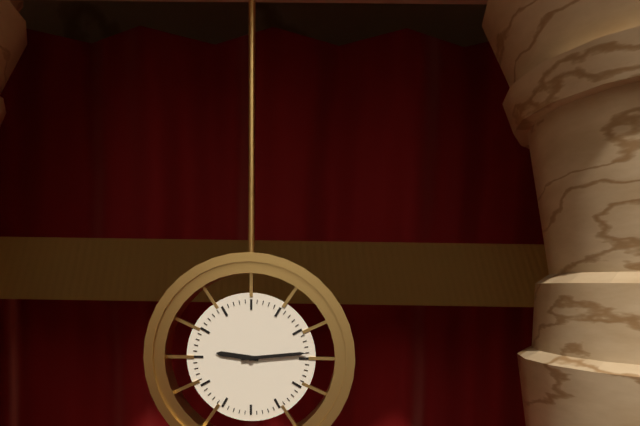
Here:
9,14
